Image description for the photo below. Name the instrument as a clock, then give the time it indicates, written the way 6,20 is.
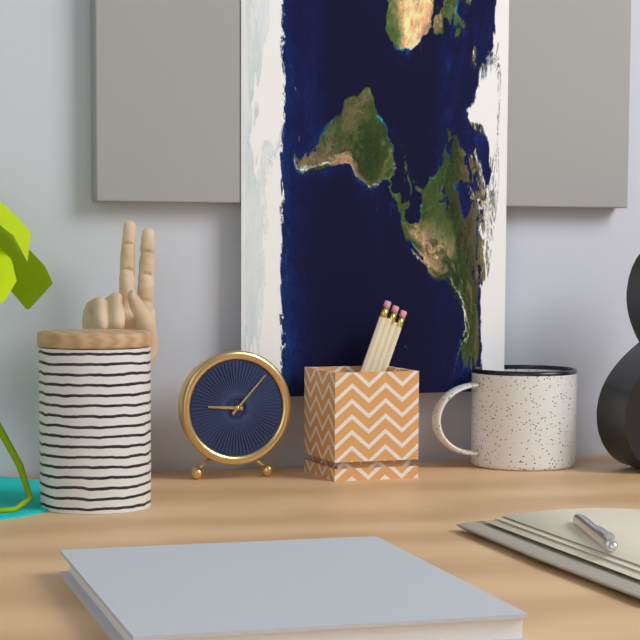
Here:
9,07
